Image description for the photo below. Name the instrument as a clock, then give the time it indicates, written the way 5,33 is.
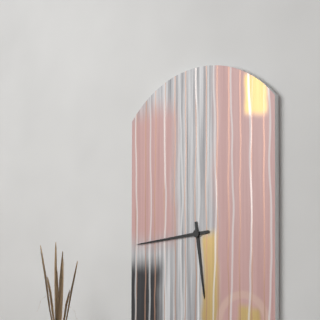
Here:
5,44
